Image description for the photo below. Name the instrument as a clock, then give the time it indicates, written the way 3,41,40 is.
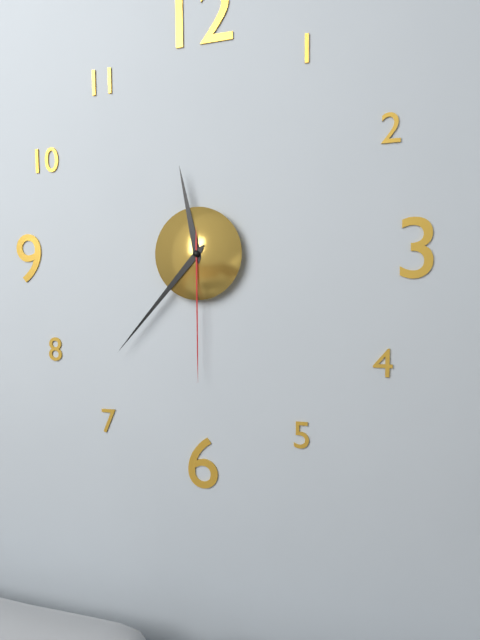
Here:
11,37,30
